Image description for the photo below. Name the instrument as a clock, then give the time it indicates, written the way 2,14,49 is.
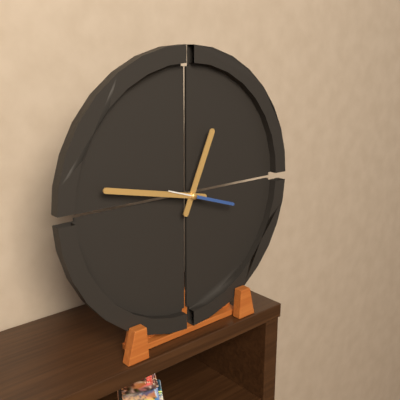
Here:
12,47,18
